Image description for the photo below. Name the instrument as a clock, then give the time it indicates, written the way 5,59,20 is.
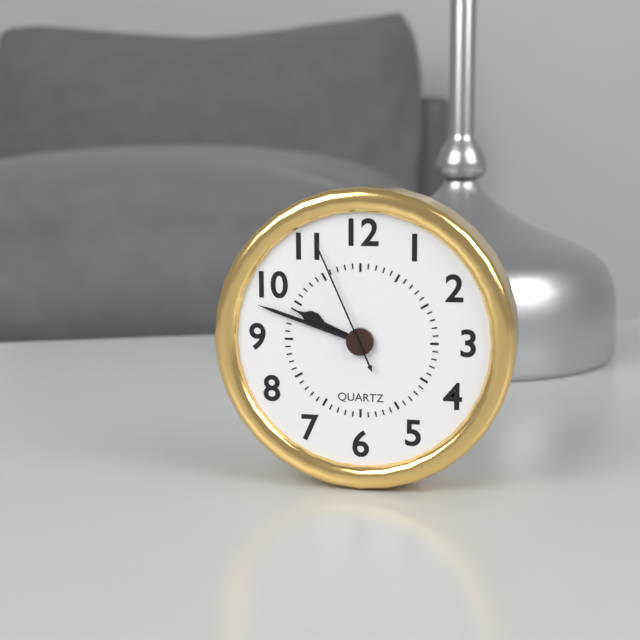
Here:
9,48,56
